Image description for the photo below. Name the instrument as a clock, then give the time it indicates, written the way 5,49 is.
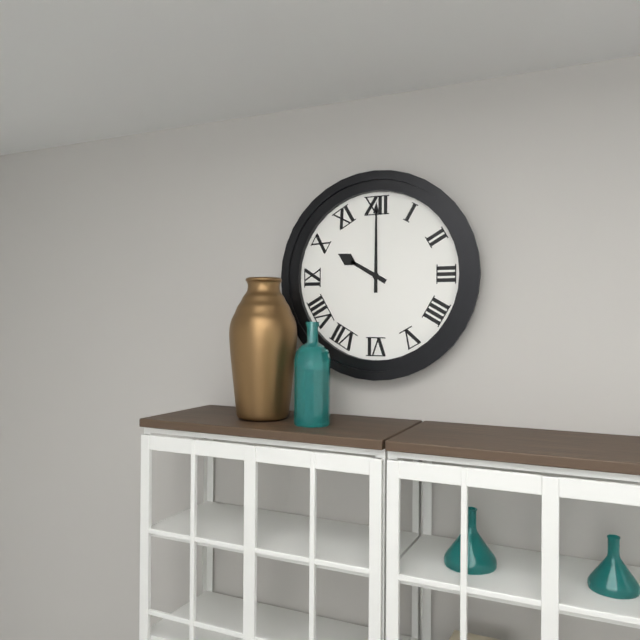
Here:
10,00
